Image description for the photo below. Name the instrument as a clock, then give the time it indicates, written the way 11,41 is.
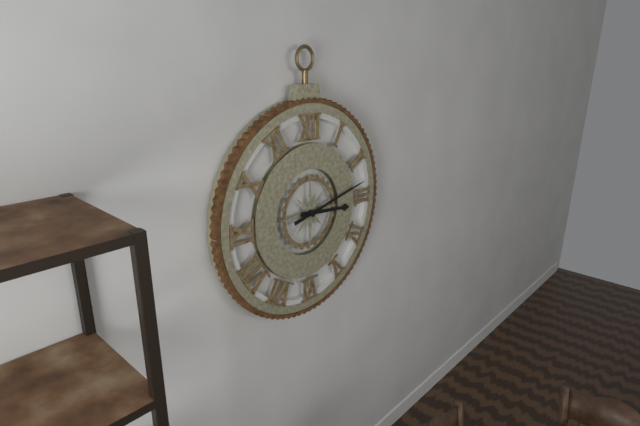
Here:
3,13
